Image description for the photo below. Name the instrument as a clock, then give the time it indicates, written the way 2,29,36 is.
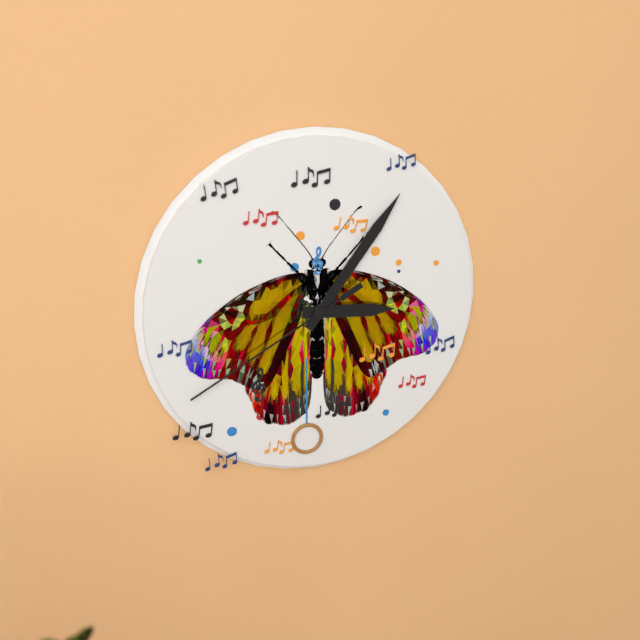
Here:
3,06,40
